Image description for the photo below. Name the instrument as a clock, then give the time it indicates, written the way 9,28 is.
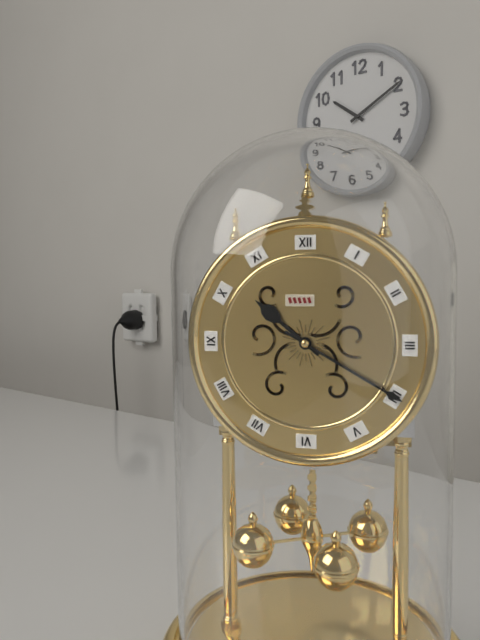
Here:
10,20
